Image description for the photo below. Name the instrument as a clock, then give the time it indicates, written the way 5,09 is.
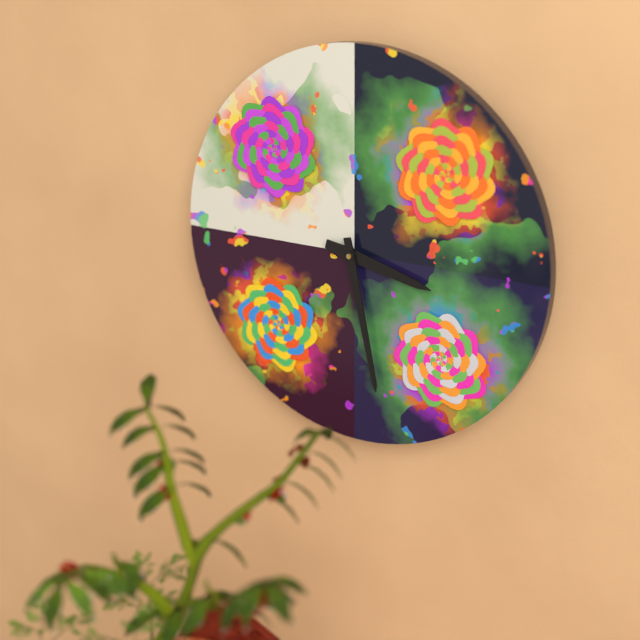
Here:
3,28
